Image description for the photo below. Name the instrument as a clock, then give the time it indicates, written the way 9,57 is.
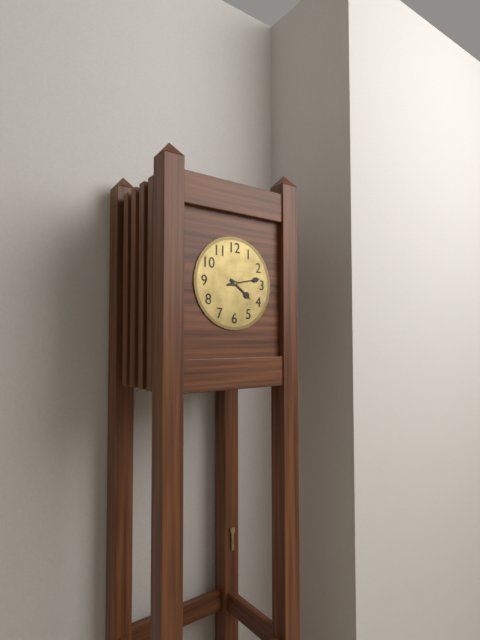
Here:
4,13
